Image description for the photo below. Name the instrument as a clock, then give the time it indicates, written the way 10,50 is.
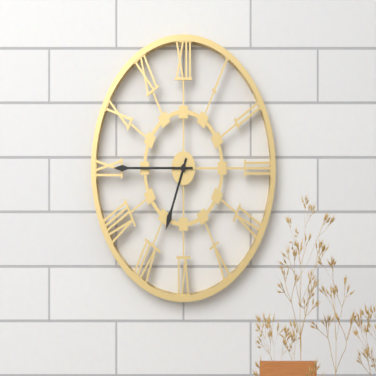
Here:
6,45
